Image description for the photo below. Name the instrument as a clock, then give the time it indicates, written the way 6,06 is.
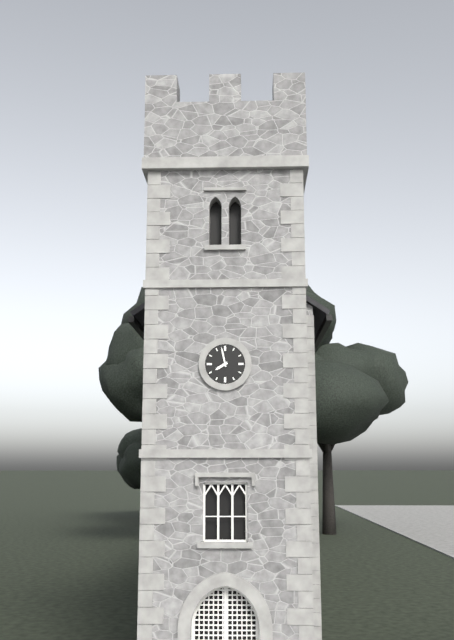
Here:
7,58
